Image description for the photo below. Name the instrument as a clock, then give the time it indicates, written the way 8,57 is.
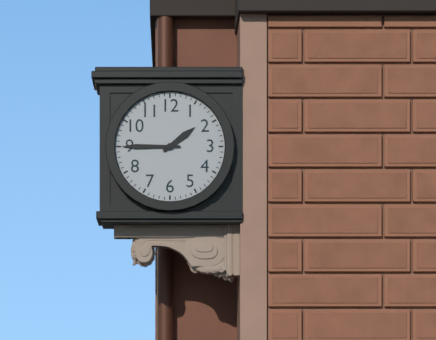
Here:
1,45
